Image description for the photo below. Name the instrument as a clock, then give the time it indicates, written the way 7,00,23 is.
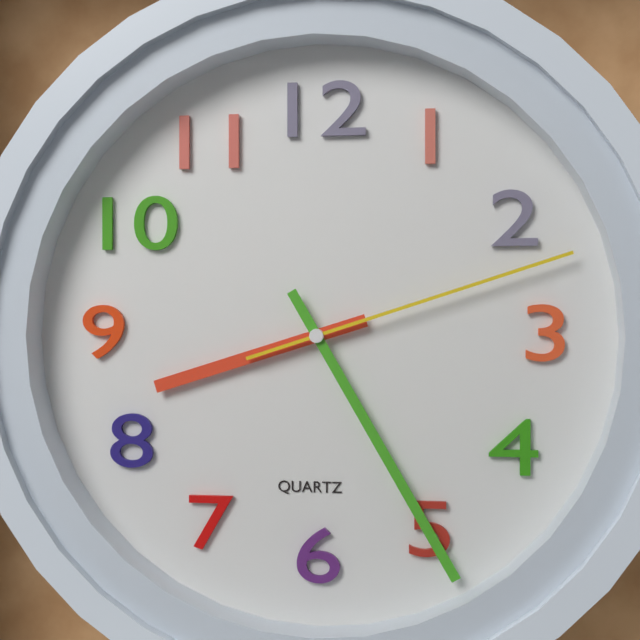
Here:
8,25,12
